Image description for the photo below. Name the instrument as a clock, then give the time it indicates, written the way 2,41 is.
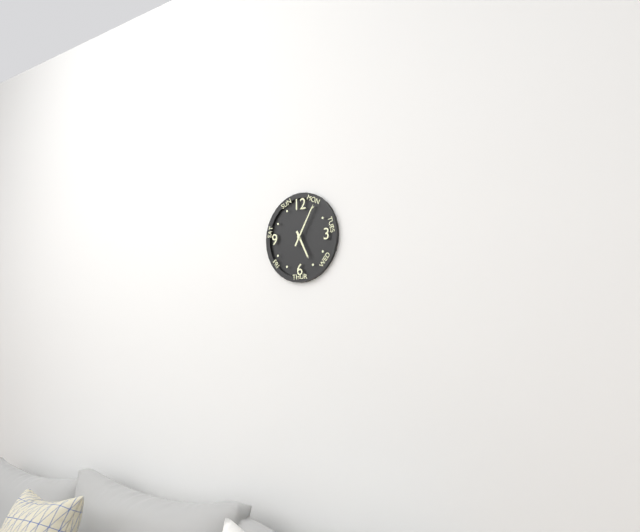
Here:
5,05
